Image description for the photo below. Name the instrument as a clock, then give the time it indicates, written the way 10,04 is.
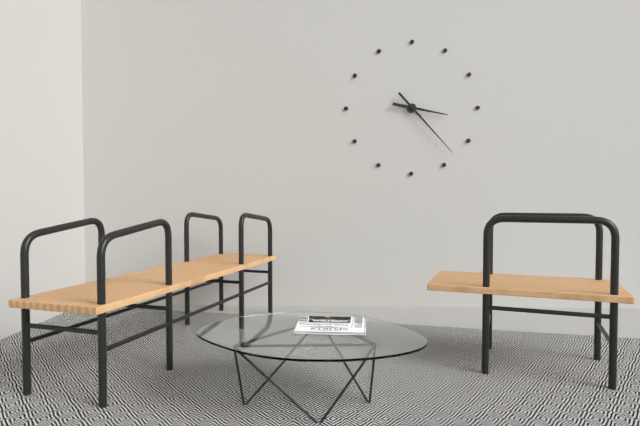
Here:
3,23
